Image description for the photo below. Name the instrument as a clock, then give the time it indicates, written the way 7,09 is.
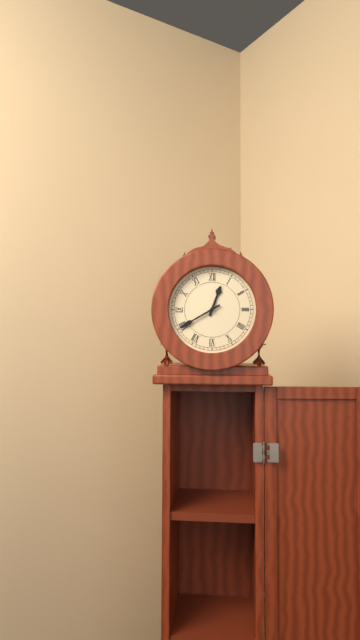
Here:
12,40
